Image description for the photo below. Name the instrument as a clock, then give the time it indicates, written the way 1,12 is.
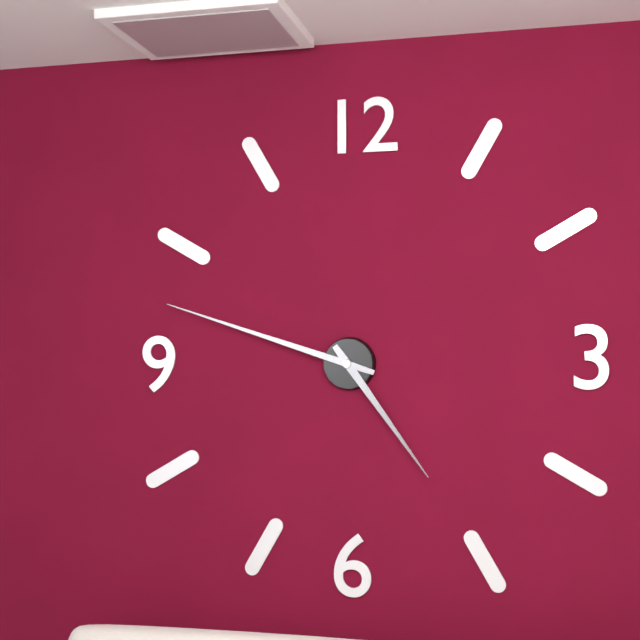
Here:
4,48
